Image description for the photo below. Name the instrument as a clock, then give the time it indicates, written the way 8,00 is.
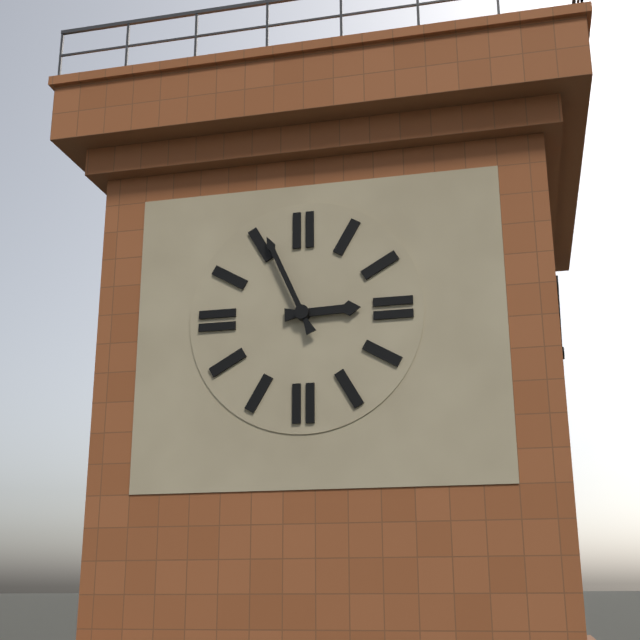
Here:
2,56
